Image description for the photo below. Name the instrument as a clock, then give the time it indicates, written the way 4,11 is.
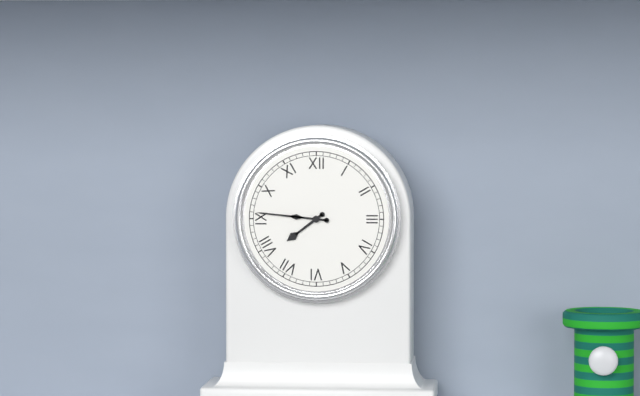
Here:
7,46
